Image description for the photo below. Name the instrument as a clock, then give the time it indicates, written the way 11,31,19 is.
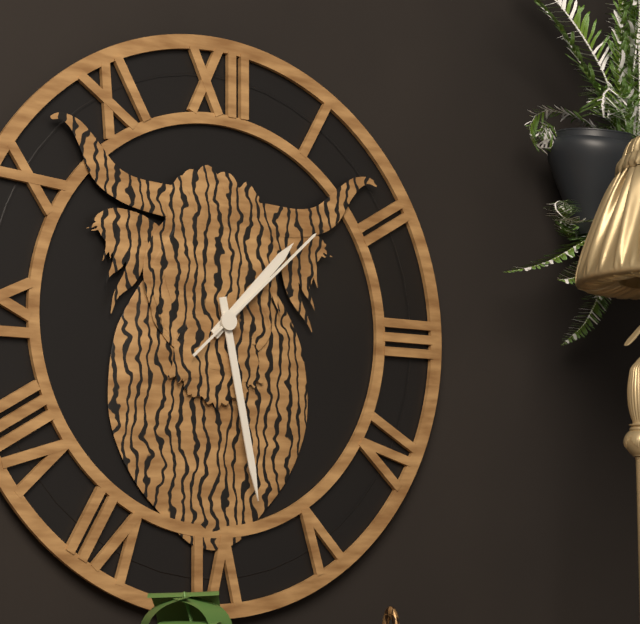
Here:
1,28,08
